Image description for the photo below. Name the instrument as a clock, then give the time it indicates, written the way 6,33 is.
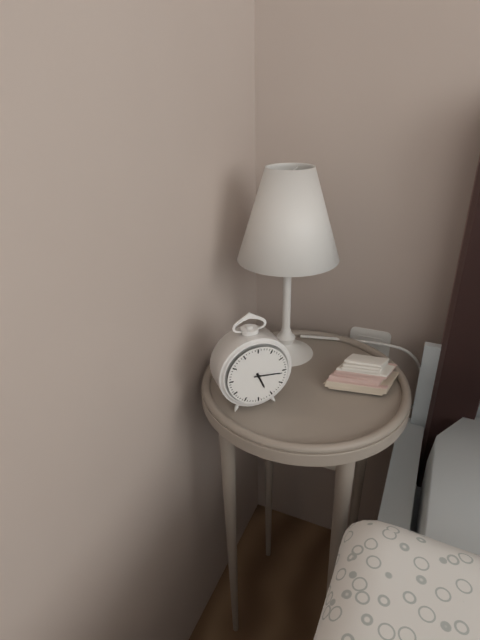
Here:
5,16
